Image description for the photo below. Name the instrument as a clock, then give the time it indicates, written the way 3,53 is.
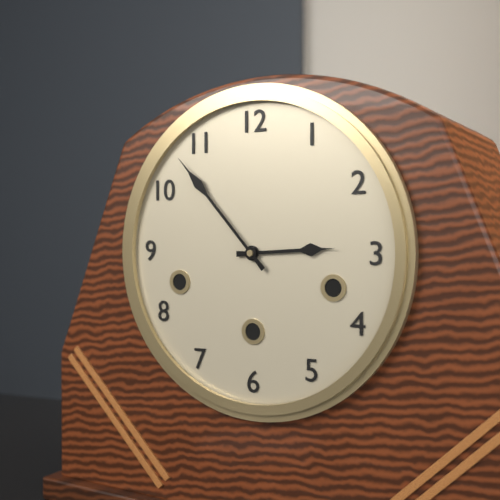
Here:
2,53
